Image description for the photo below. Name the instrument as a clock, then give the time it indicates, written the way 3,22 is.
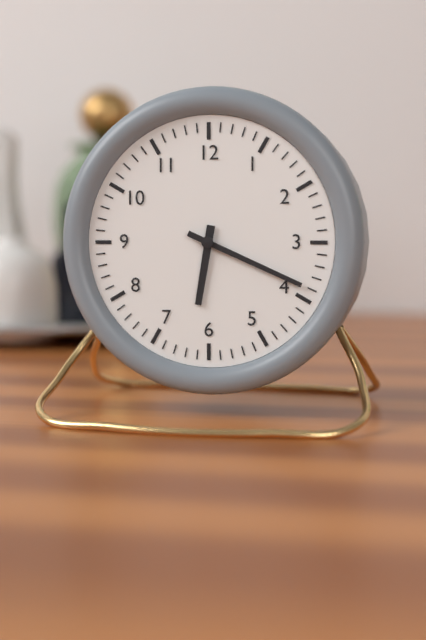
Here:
6,19
